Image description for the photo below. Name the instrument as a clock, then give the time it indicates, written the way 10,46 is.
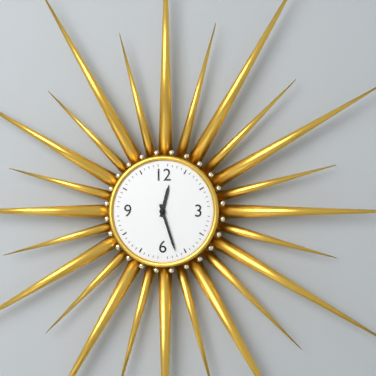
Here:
12,27
